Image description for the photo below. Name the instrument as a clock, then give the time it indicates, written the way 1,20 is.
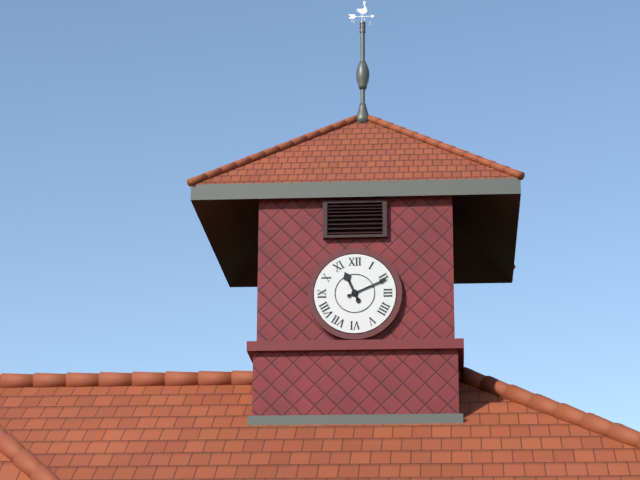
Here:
11,11
